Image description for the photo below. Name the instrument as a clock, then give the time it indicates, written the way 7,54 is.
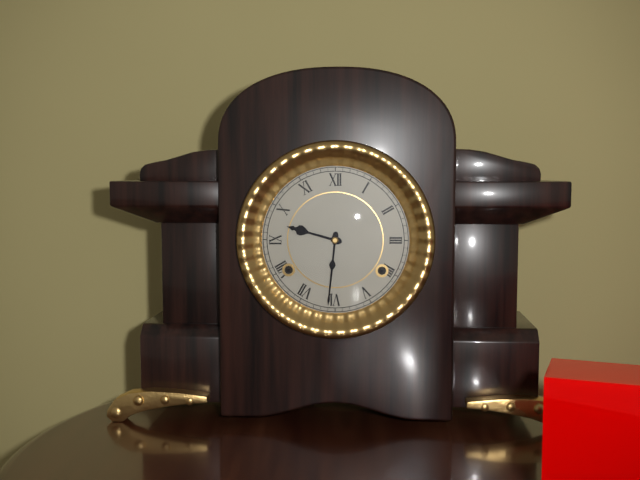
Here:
9,31
